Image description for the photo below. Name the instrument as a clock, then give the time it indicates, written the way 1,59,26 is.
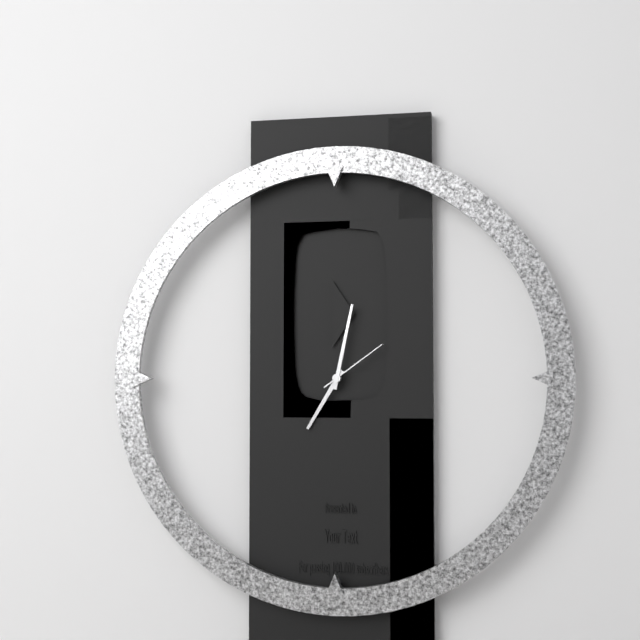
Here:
7,02,09
